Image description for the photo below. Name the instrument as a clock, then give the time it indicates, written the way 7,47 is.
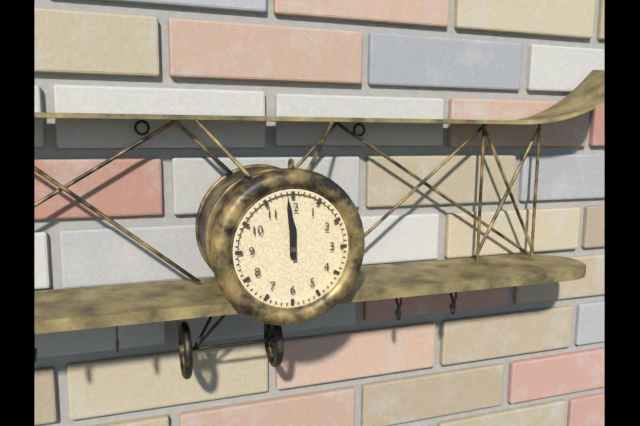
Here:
11,59
